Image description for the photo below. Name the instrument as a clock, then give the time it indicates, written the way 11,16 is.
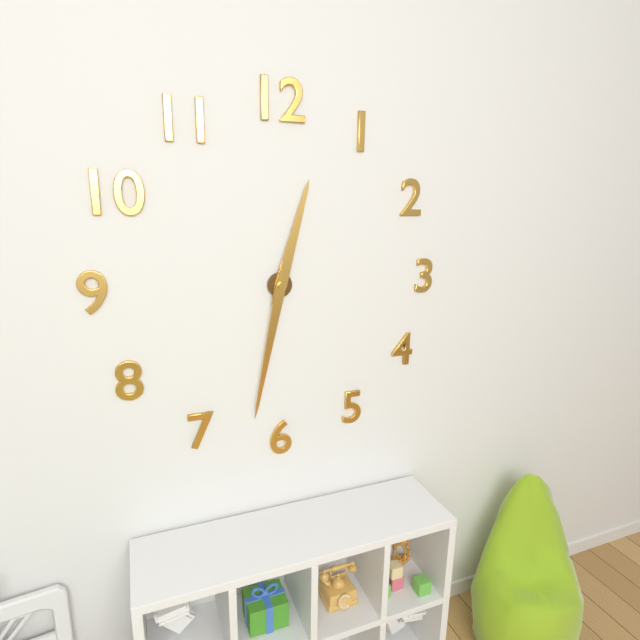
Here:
12,32
